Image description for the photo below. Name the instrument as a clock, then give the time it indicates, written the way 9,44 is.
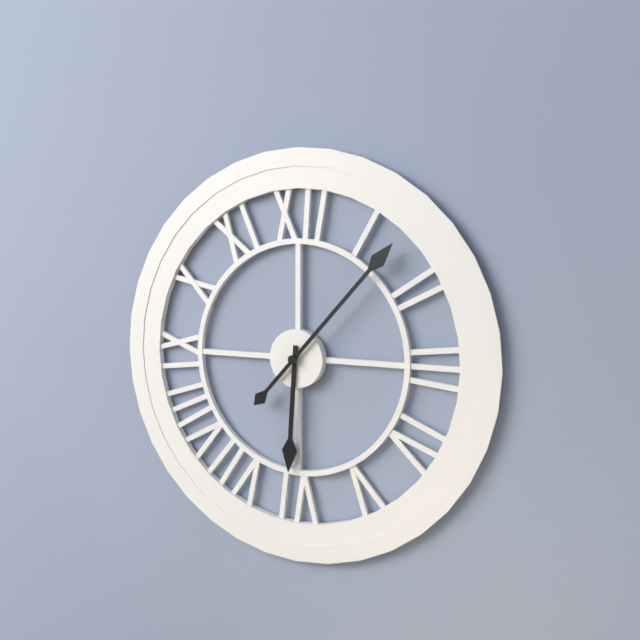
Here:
6,07
